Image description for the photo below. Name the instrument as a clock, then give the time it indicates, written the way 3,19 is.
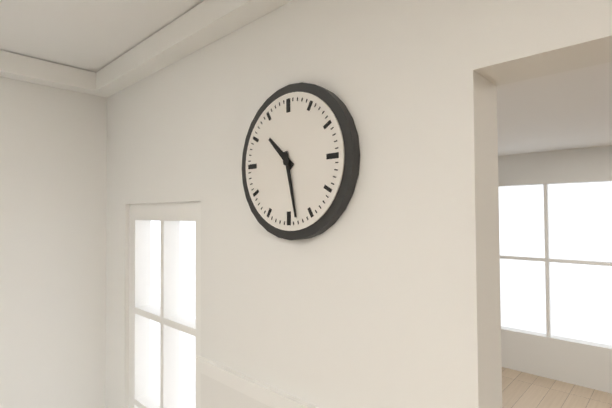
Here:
10,28
